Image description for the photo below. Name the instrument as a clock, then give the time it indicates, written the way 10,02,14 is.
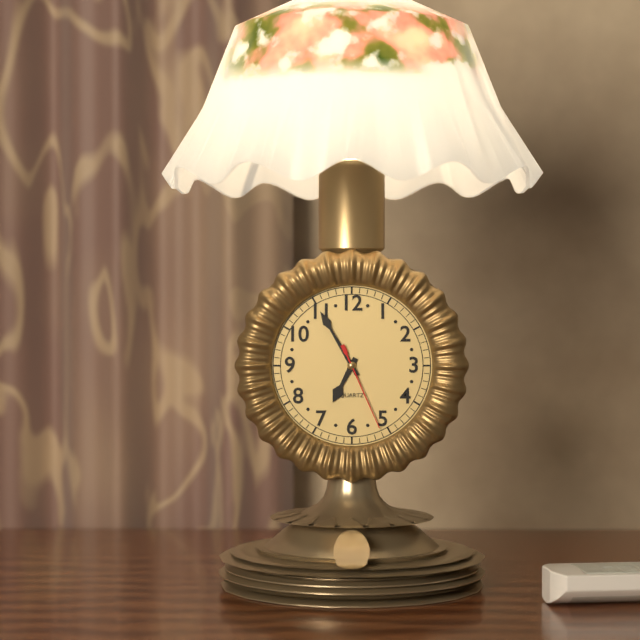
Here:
6,55,26
